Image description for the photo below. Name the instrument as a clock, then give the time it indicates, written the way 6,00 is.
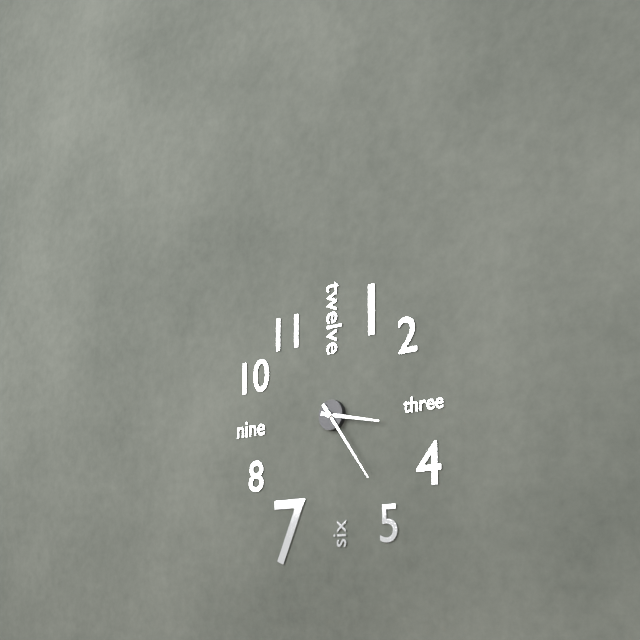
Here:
3,24
